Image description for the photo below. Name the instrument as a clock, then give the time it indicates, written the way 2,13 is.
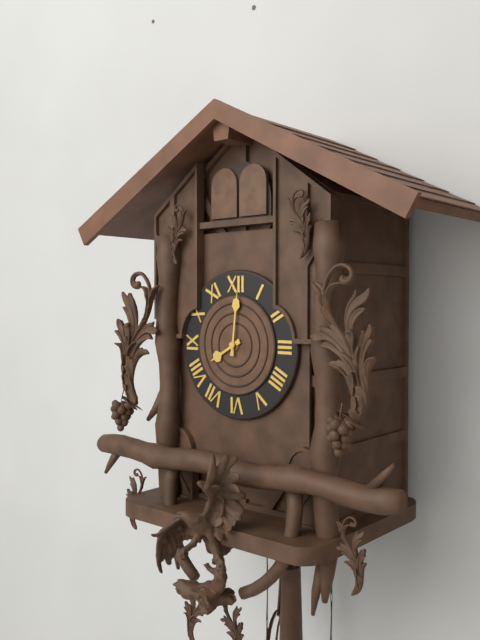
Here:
8,01
